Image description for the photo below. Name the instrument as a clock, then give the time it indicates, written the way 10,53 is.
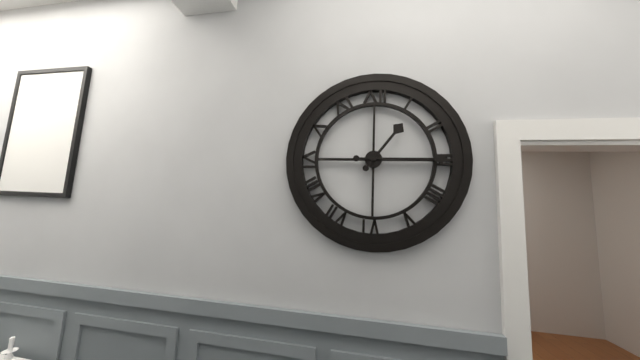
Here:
1,15
